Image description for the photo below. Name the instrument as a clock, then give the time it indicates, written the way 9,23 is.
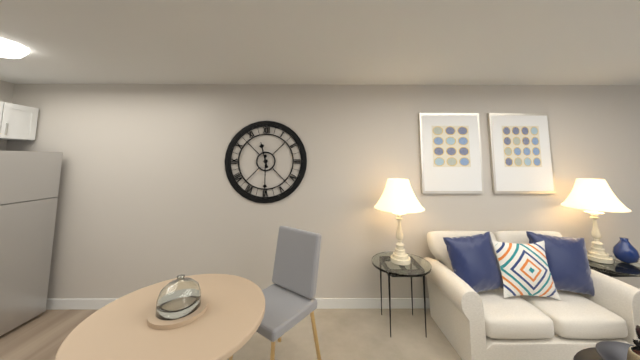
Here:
11,30
